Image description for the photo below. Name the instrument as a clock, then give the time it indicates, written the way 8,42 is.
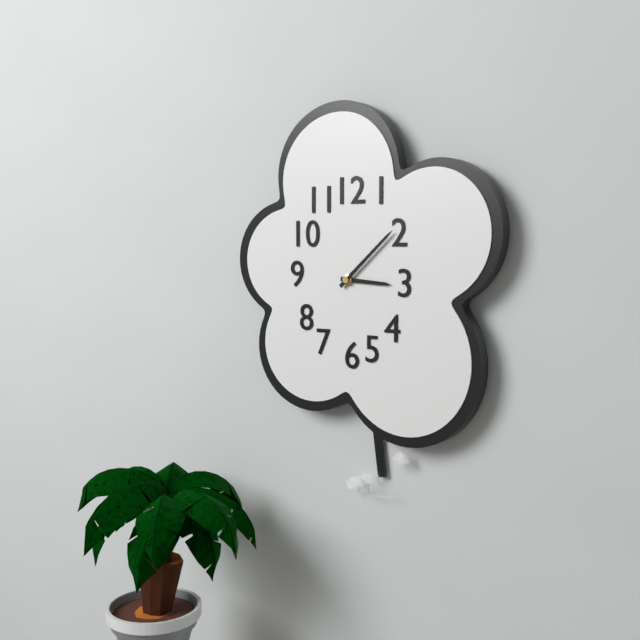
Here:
3,08
